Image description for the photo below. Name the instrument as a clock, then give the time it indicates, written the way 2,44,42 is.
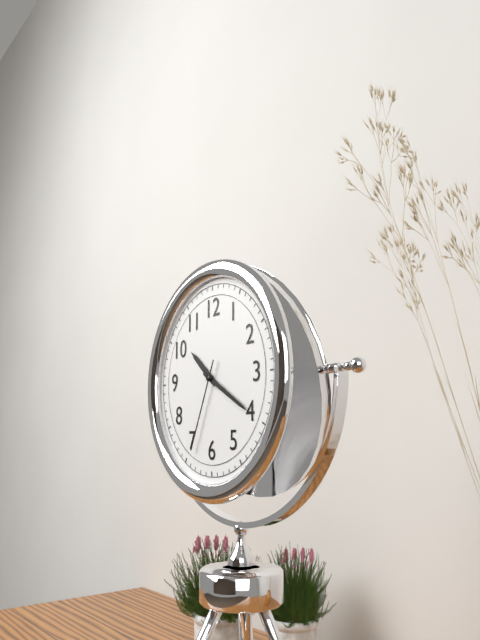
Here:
10,20,34
